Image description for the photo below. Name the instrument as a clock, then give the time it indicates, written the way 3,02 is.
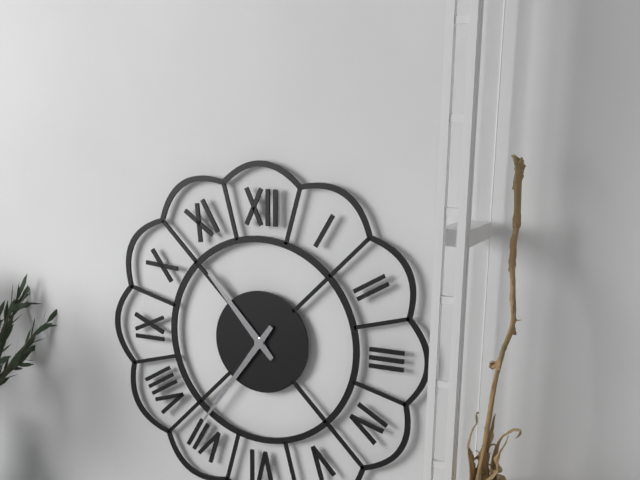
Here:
10,36
